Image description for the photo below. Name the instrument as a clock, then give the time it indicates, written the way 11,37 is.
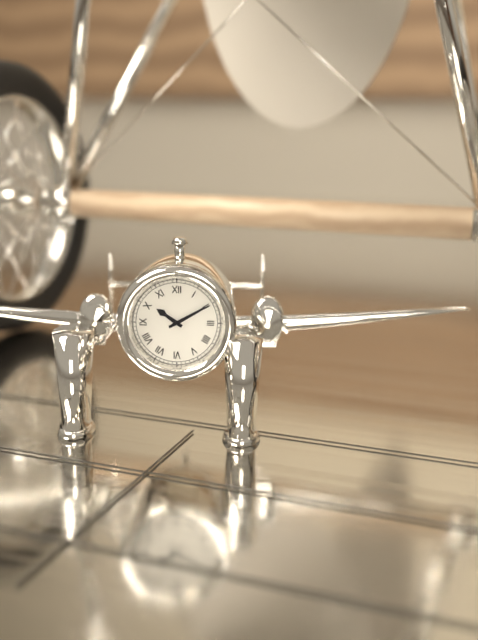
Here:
10,10
